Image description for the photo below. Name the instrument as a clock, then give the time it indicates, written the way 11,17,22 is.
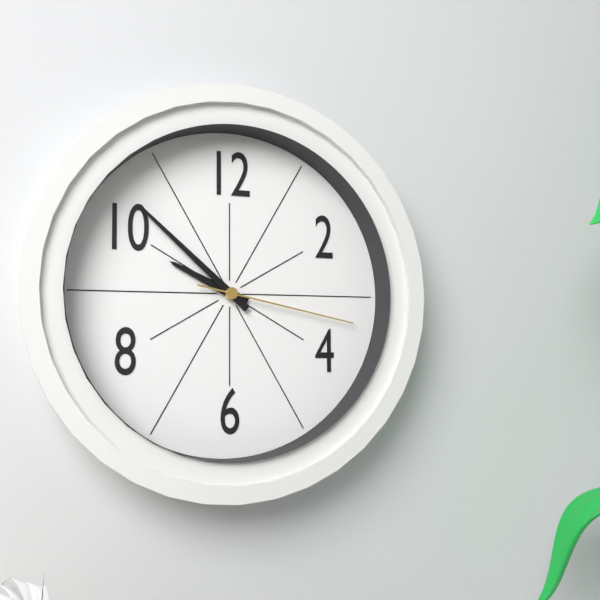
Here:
9,52,17
